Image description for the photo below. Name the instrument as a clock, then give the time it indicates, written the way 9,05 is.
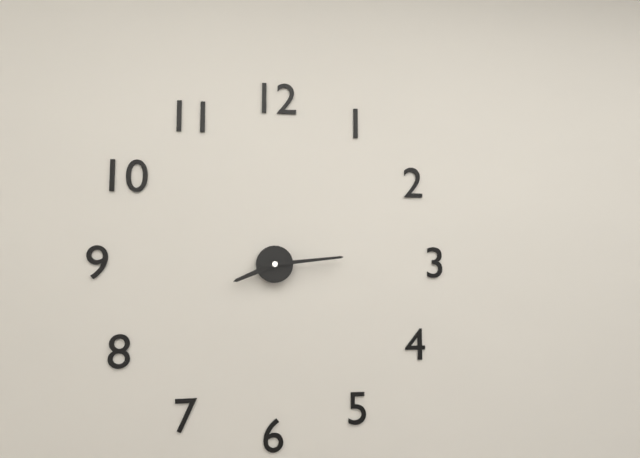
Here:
8,14
